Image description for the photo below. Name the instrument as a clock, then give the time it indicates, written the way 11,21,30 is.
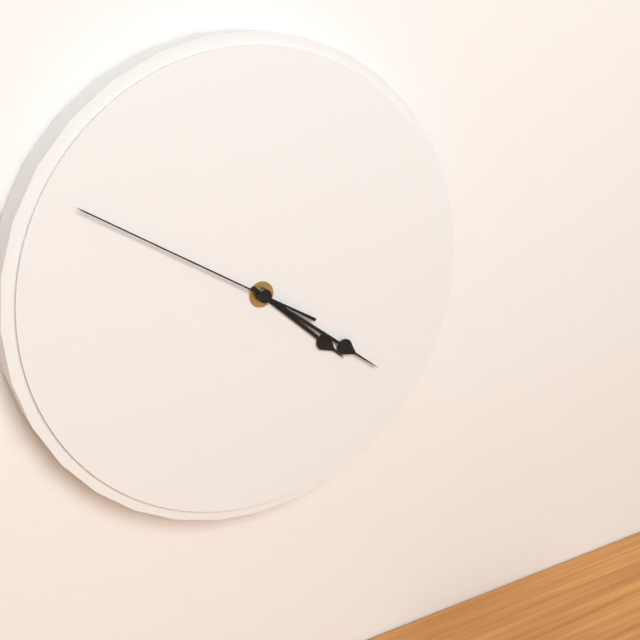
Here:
4,21,50
